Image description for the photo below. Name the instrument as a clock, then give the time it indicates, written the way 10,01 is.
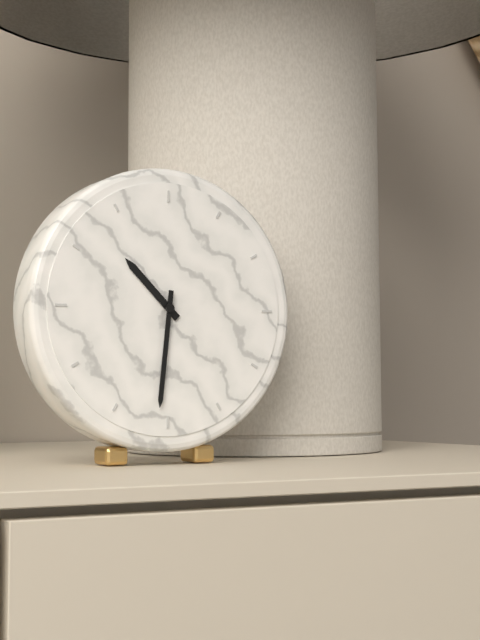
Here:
10,31
